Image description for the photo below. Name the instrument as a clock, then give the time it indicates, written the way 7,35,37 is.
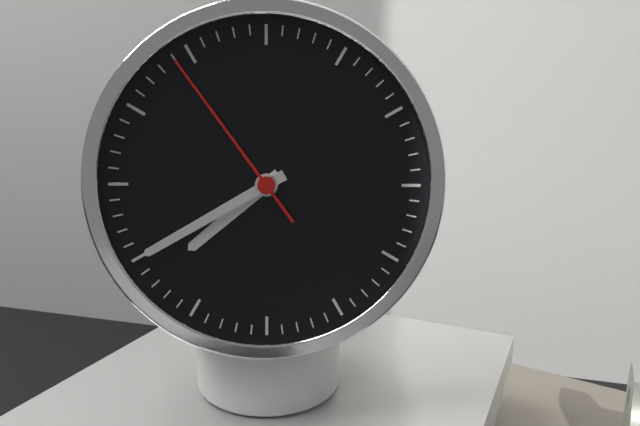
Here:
7,40,54
